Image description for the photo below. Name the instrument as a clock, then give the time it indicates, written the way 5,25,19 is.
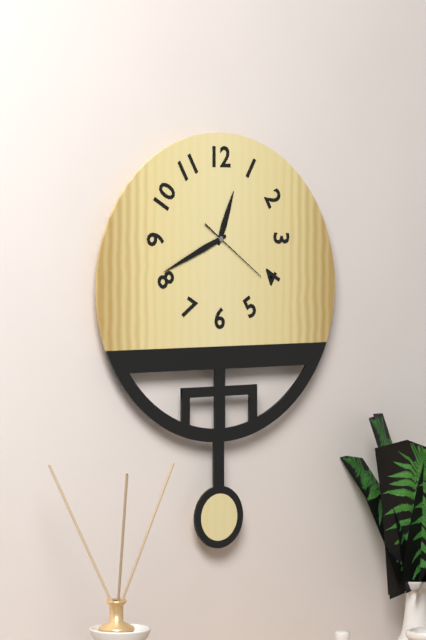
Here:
12,41,21
